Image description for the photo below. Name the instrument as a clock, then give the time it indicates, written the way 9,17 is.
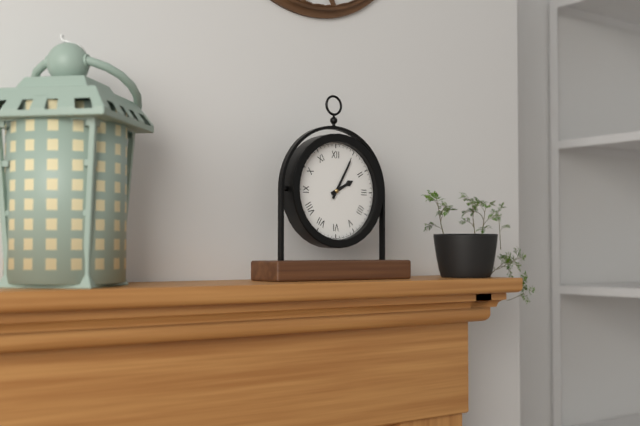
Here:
2,05
